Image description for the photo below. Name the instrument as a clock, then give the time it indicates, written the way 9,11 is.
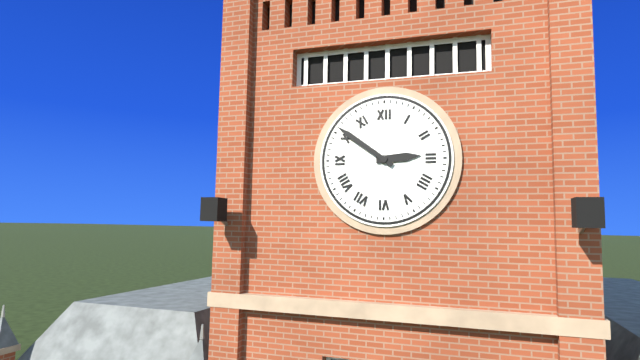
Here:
2,51
